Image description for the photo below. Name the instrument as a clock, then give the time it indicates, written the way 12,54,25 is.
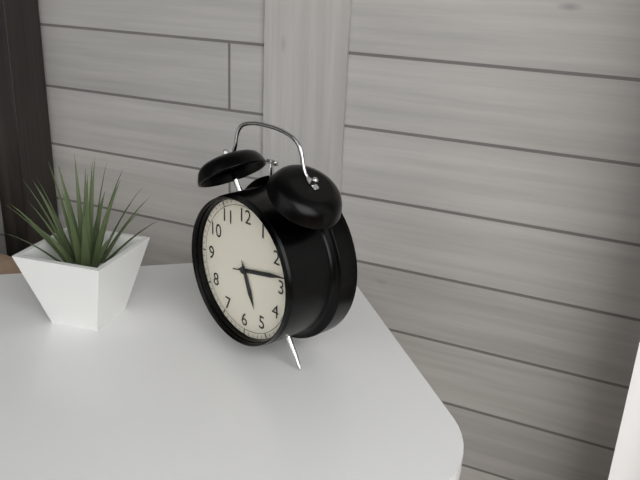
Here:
5,13,13
